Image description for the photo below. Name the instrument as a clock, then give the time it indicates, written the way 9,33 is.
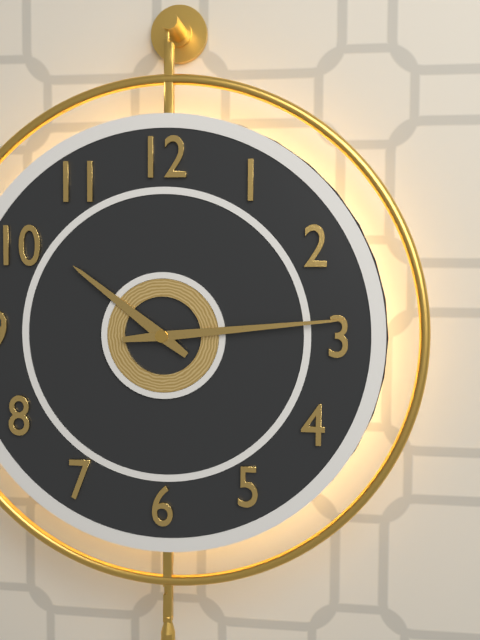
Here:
10,14
